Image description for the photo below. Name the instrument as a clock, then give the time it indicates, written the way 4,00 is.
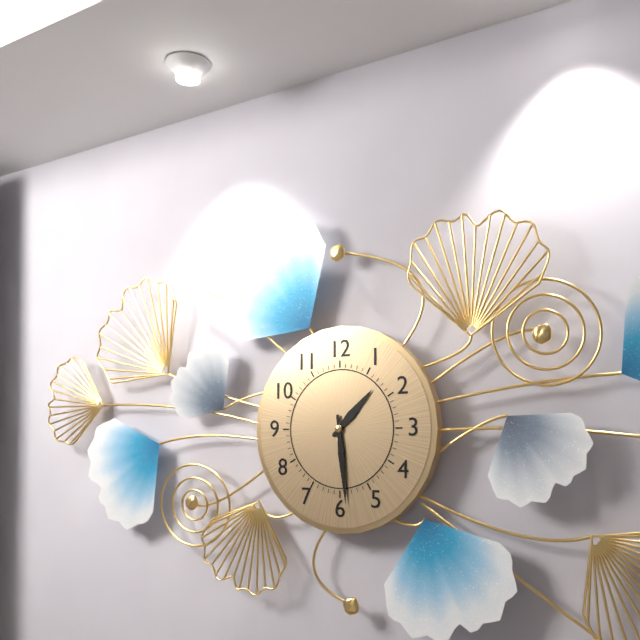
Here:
1,29
